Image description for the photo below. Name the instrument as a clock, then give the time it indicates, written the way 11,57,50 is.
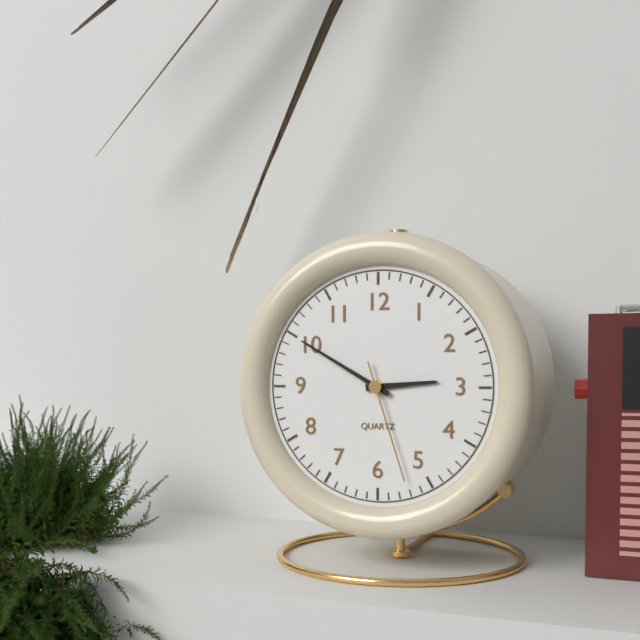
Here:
2,50,27
